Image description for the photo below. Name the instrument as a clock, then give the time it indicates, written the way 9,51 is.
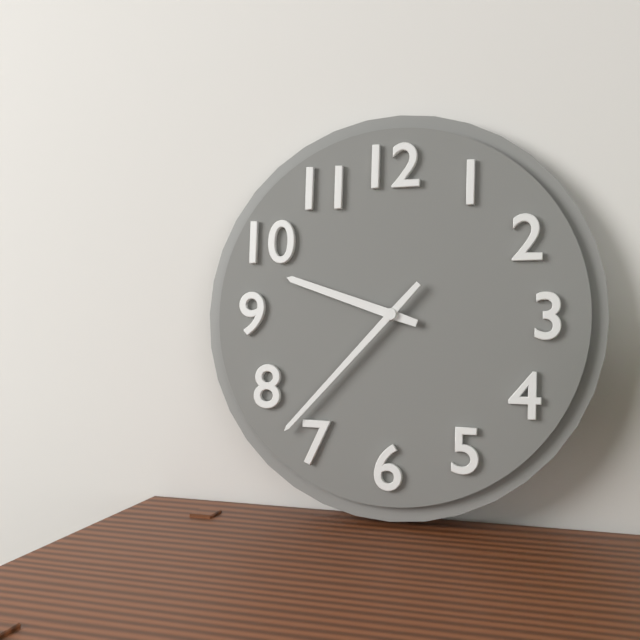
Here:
9,37
